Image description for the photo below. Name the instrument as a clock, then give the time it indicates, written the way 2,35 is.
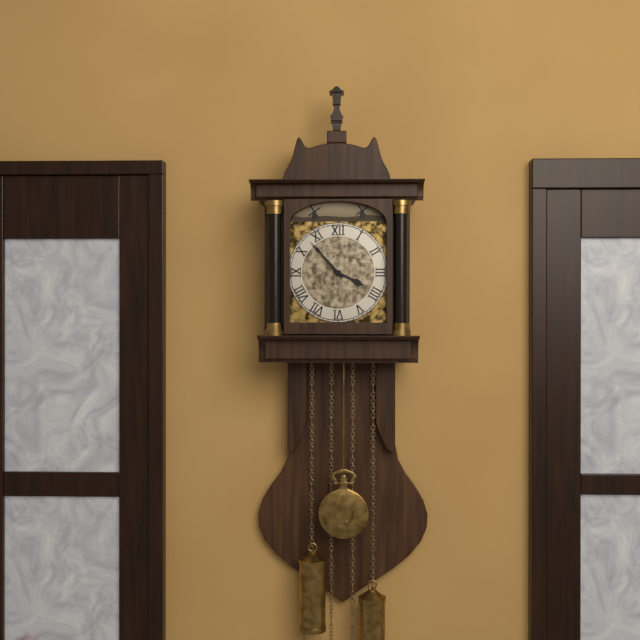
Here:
3,53
